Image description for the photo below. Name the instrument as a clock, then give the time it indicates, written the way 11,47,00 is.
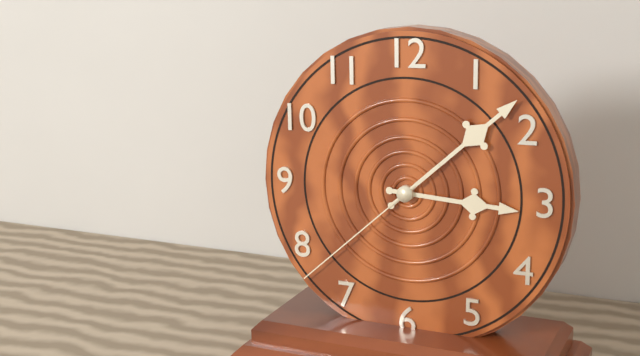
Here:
3,08,38
